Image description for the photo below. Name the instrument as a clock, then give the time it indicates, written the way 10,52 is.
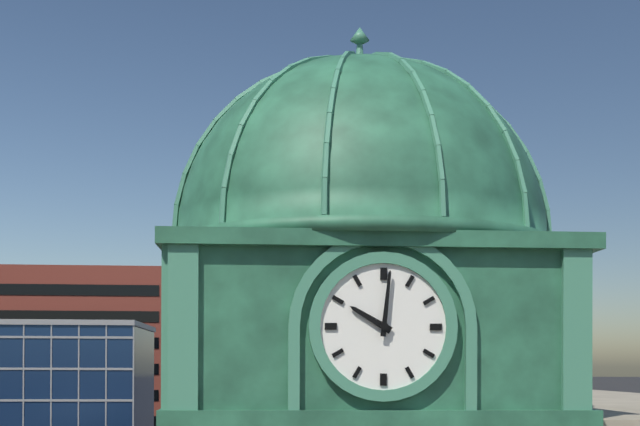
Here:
10,01
